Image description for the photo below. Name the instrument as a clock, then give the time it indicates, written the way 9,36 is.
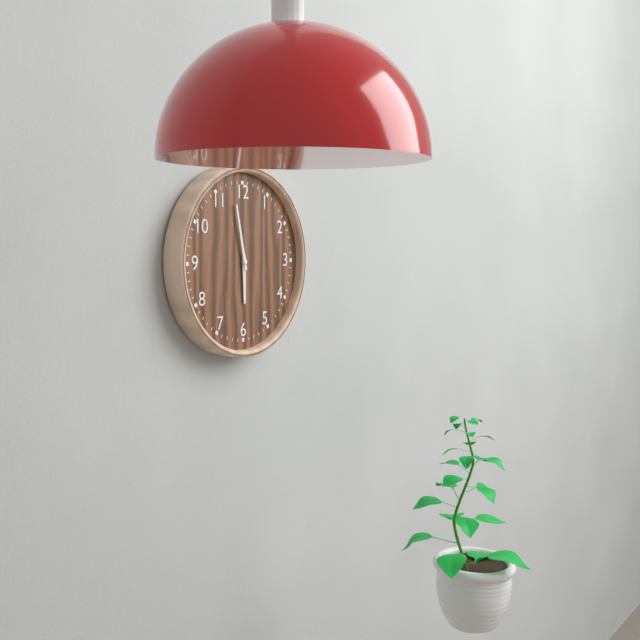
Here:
5,58
